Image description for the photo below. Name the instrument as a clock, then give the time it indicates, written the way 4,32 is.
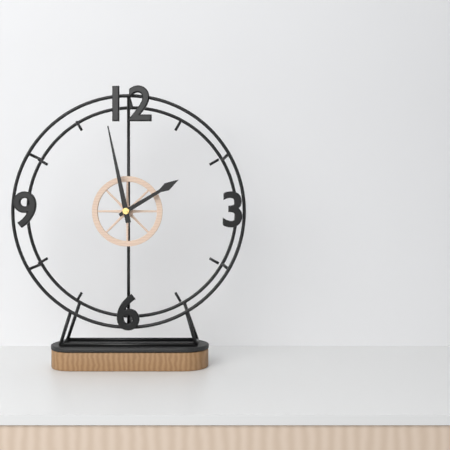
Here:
1,58
